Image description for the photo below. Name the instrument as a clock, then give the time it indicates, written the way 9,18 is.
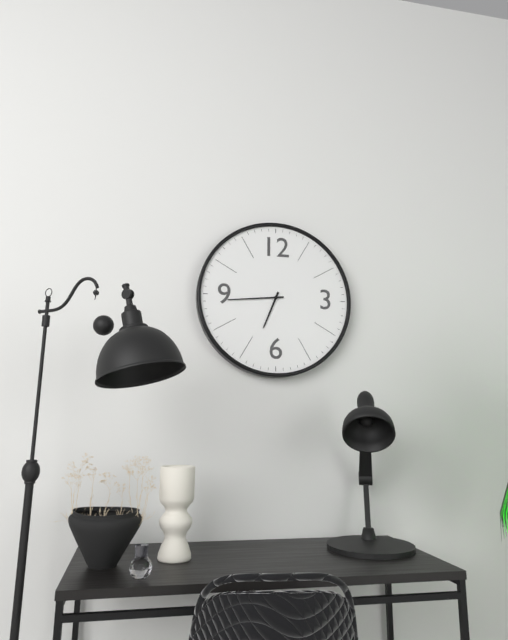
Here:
6,44
